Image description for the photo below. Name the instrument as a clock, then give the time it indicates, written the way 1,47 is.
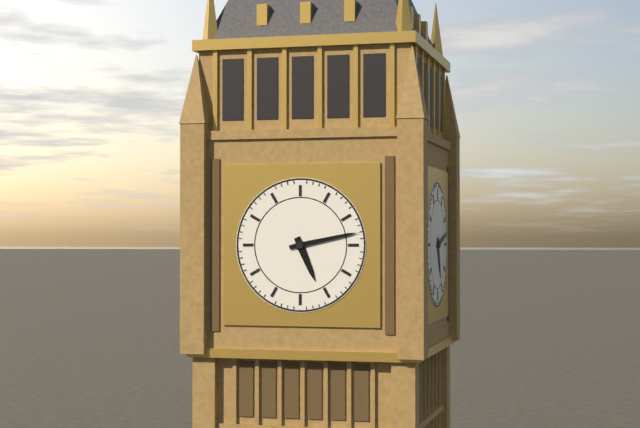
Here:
5,13
